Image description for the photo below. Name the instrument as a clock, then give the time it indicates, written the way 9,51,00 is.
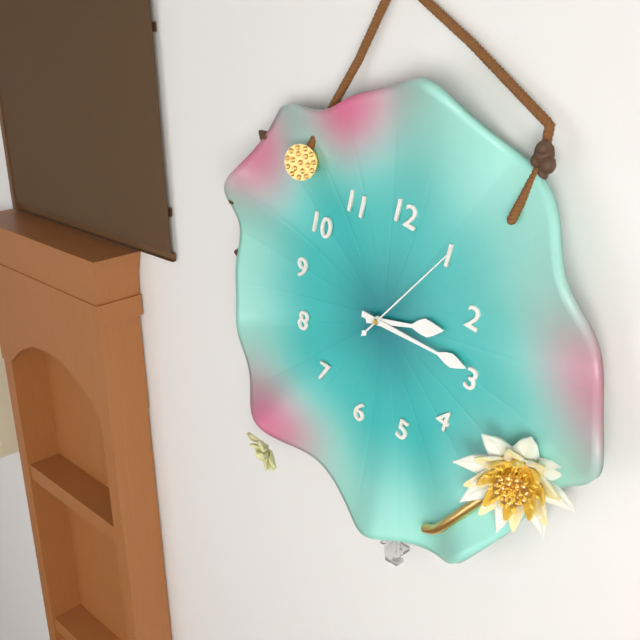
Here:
2,14,05
